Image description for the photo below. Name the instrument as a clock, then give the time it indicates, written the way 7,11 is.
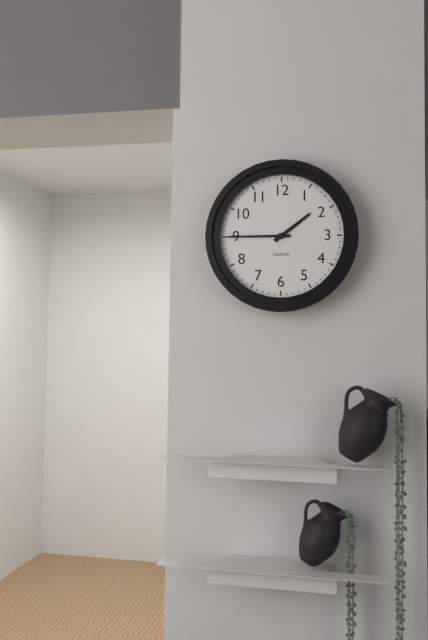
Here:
1,45
